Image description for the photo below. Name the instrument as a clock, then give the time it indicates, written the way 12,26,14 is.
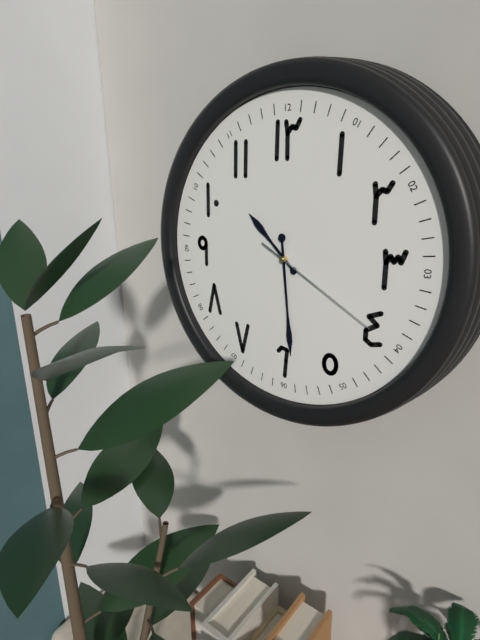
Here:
10,29,20
